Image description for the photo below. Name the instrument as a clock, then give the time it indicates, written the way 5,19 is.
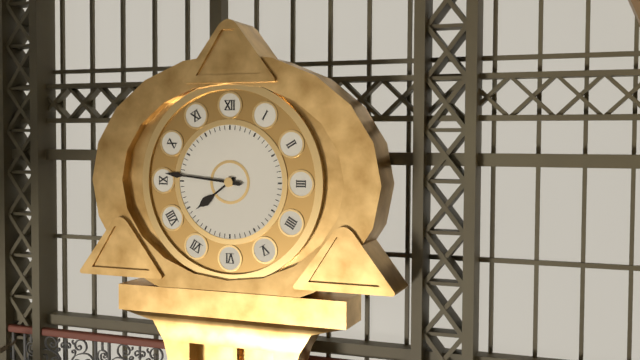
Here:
7,46
